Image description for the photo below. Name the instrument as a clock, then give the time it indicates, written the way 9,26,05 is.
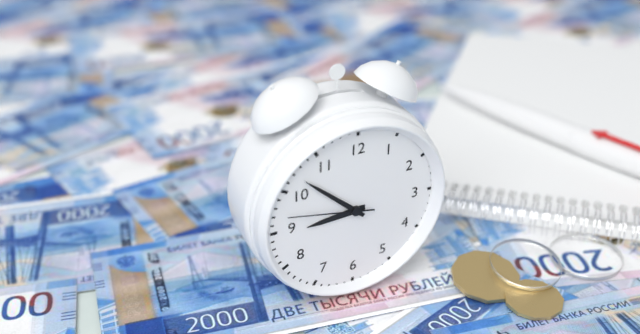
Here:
8,52,47
